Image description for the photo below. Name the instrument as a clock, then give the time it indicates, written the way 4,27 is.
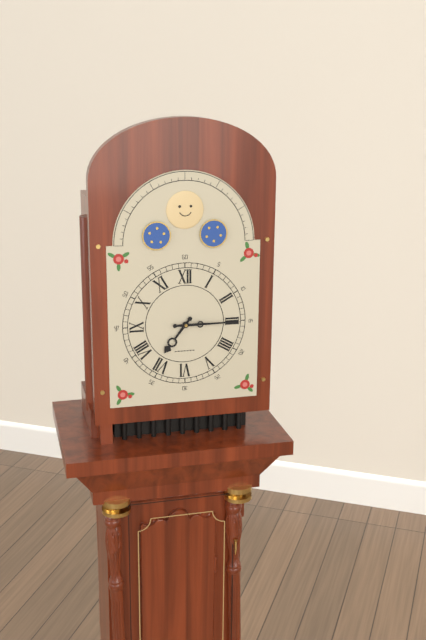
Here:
7,15
